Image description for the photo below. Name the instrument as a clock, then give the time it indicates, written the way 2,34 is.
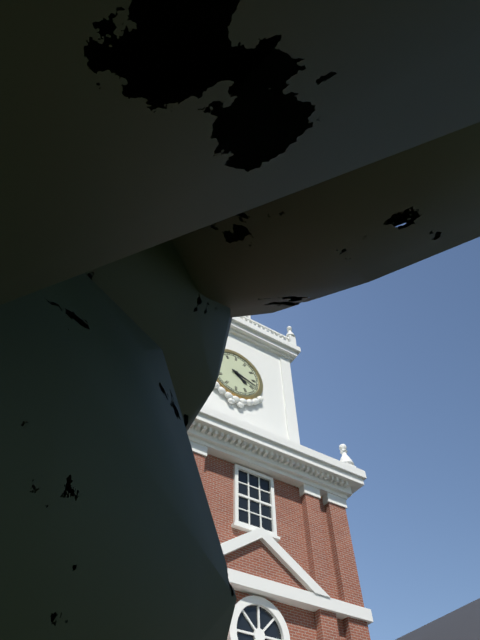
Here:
4,18
